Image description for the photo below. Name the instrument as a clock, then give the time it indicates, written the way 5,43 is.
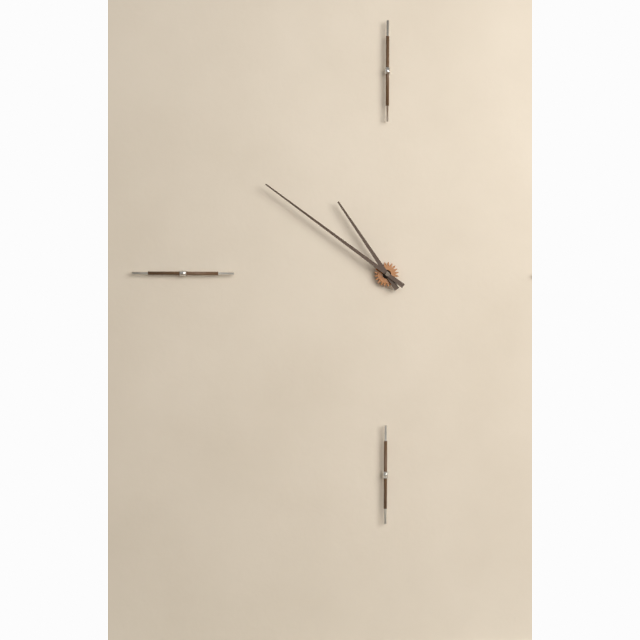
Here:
10,51
